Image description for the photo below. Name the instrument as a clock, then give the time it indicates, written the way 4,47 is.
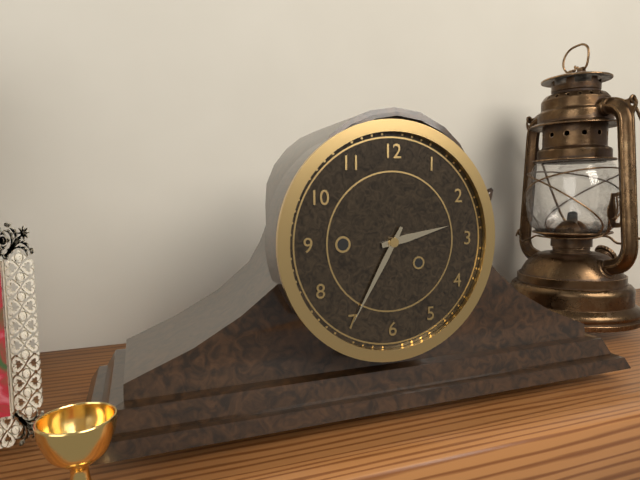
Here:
2,35
